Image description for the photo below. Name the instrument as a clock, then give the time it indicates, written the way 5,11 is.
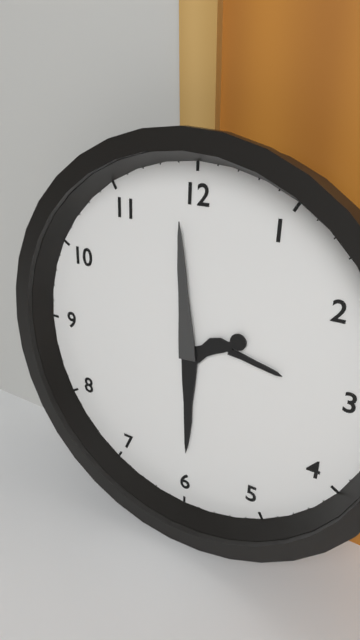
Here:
5,59
